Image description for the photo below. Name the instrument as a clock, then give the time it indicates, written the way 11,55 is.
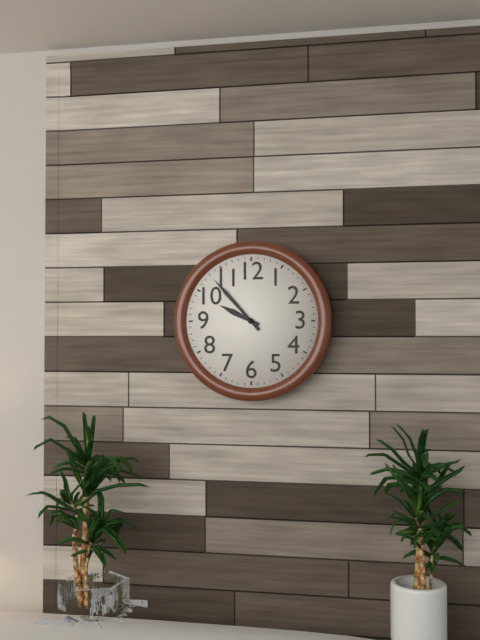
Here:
9,53
